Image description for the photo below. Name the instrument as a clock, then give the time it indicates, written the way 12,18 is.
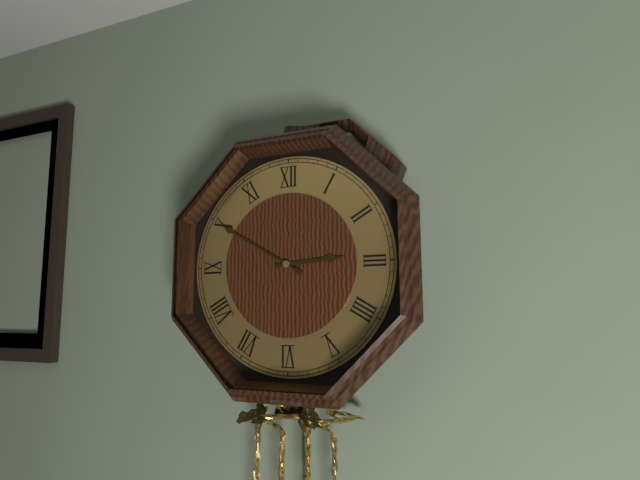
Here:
2,50
